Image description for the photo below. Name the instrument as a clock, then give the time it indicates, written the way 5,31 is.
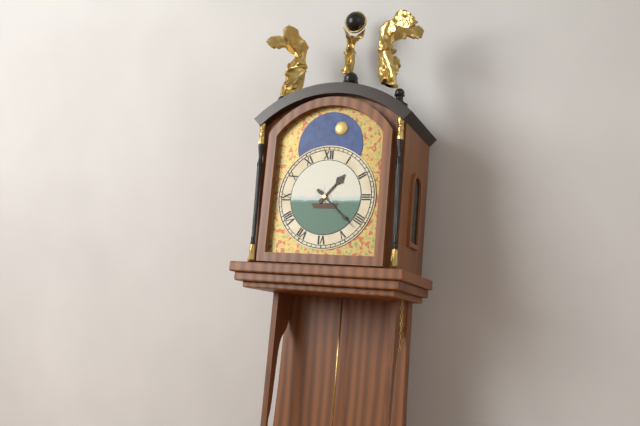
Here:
1,22
